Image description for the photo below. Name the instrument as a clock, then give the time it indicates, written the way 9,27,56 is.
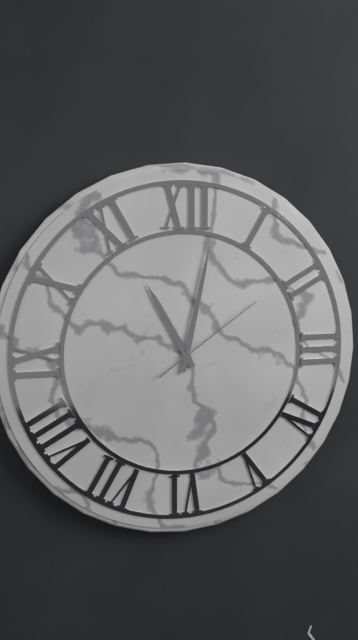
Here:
11,02,09
